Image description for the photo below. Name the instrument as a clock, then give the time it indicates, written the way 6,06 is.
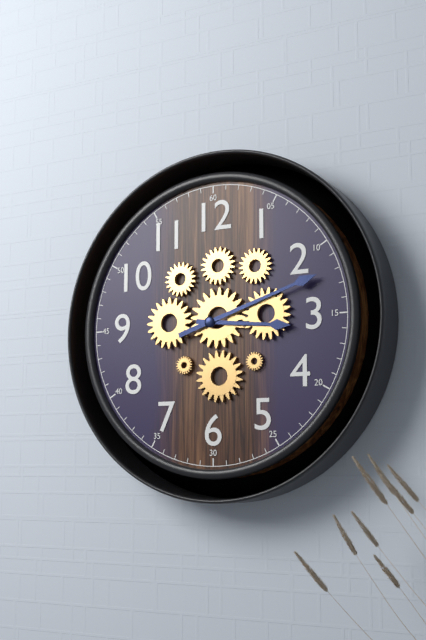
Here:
3,12
